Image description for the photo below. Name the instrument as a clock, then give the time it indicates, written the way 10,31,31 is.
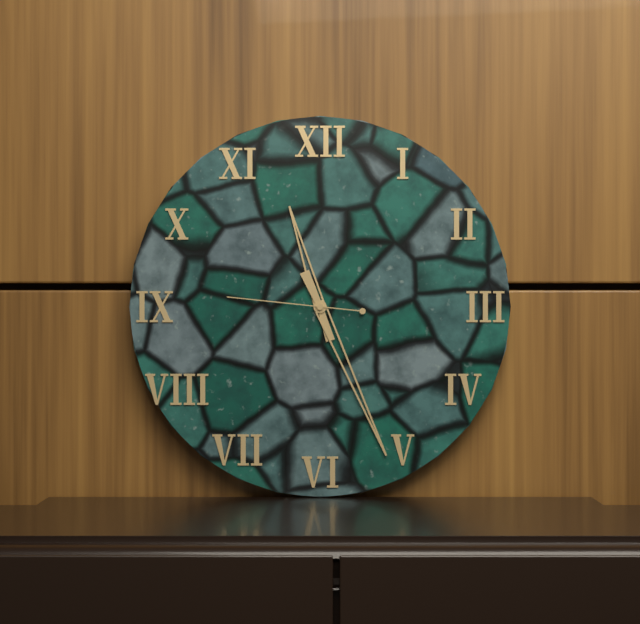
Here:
11,26,46
